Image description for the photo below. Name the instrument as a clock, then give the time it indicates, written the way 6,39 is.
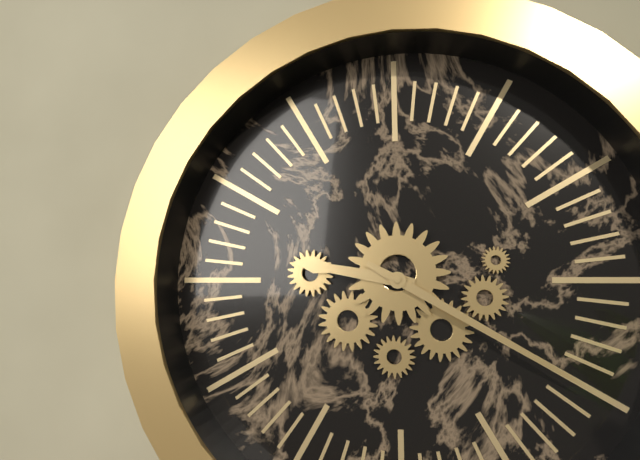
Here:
9,20
